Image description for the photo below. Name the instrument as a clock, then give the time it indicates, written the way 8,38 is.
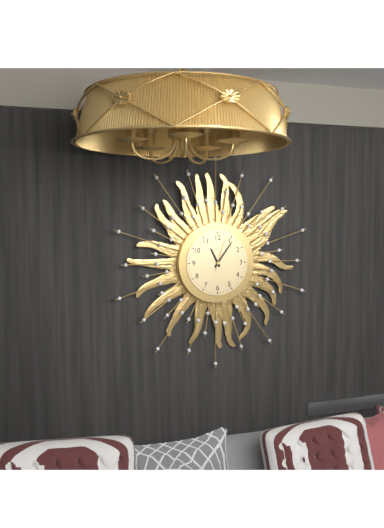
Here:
11,06
